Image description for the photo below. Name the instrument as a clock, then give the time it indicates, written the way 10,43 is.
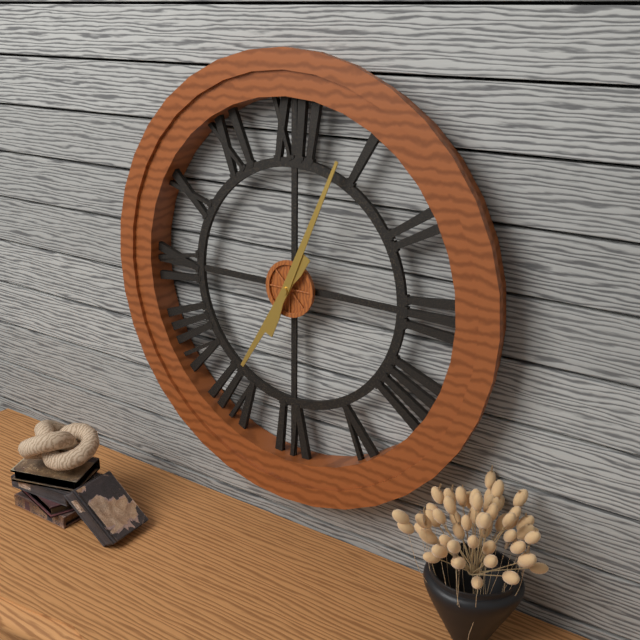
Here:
7,04
